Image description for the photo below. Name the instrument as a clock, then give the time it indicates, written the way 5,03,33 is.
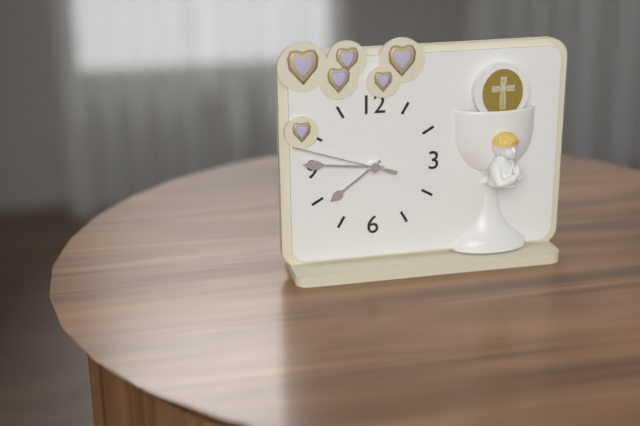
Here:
7,46,48
